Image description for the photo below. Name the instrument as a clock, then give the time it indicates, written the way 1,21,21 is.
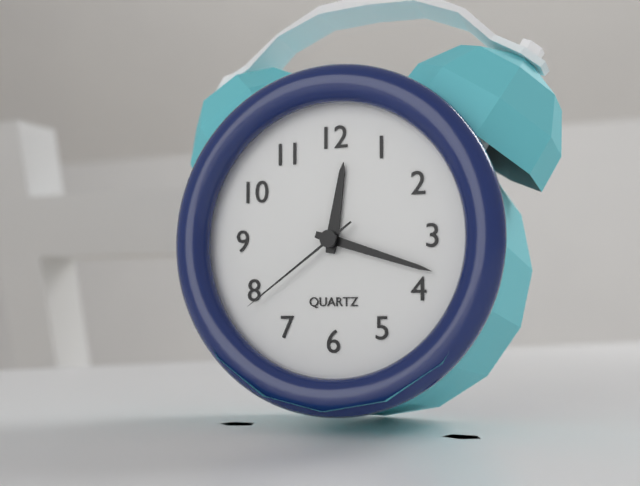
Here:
12,18,39
